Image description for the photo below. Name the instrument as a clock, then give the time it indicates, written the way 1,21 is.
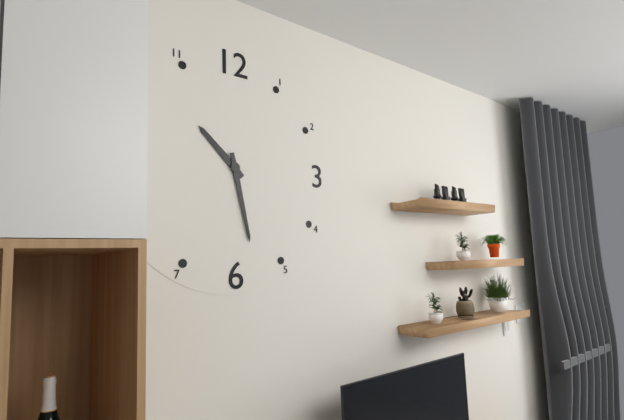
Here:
10,28
